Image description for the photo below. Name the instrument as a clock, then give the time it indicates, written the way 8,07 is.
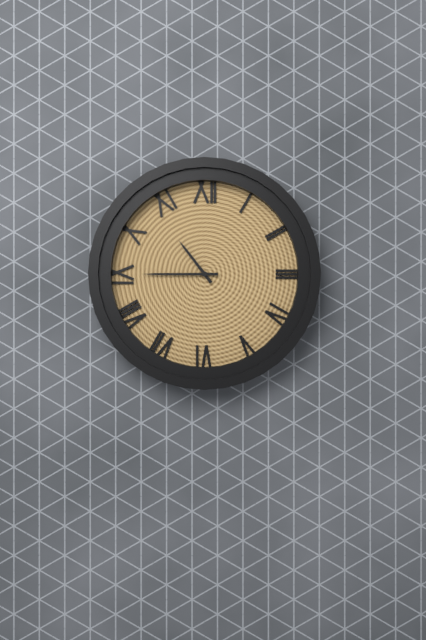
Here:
10,45
